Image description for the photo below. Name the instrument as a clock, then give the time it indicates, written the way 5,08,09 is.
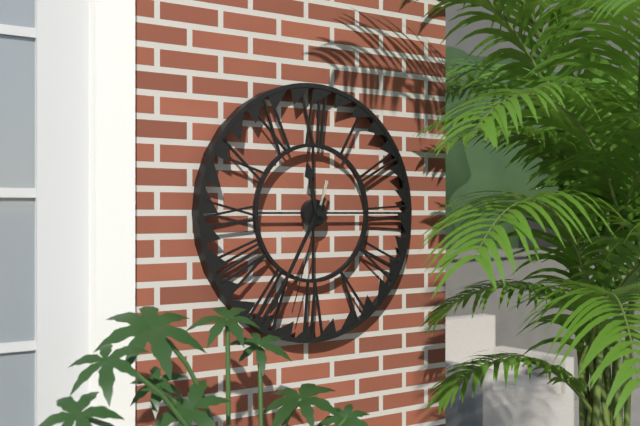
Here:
11,35,33
